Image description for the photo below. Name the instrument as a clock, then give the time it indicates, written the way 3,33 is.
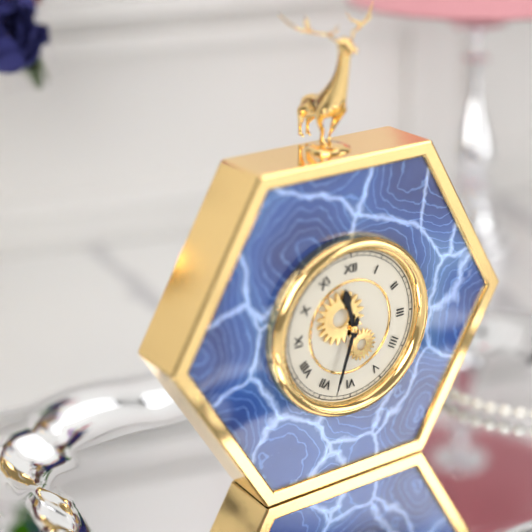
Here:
11,33
